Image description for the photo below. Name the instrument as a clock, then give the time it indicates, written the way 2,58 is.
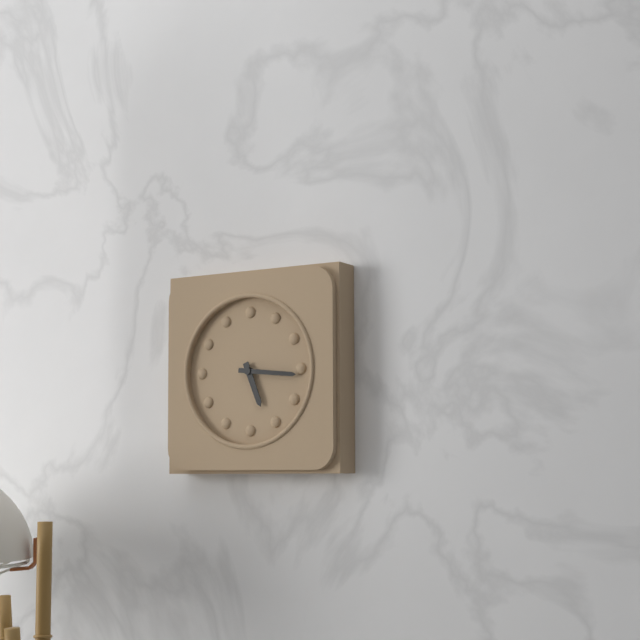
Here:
5,16
